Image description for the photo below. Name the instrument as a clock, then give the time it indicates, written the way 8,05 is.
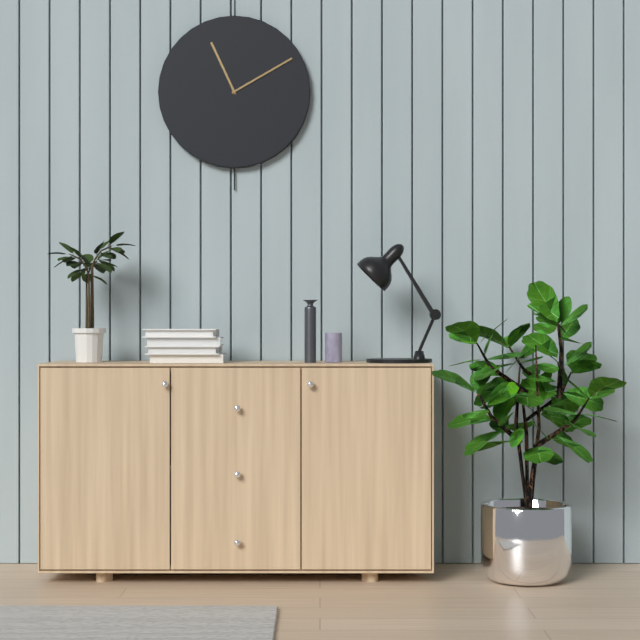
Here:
11,10
